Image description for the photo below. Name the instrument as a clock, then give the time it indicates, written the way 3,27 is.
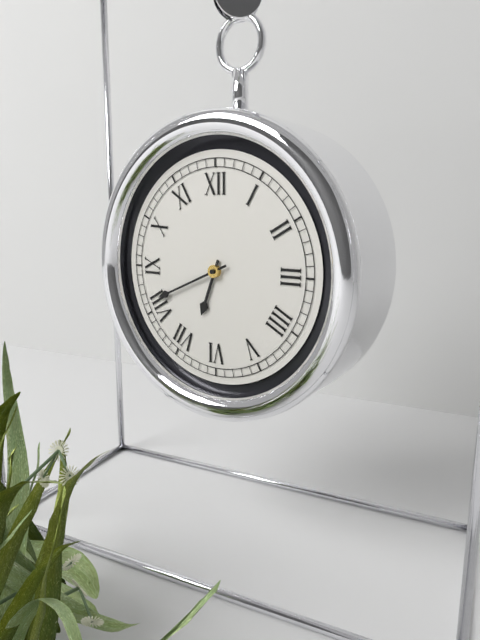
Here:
6,41
